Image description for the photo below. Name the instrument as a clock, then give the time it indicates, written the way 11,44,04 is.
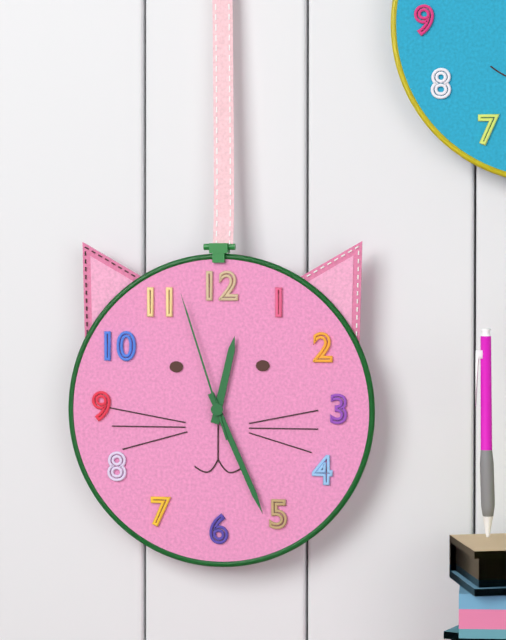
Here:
12,26,57
